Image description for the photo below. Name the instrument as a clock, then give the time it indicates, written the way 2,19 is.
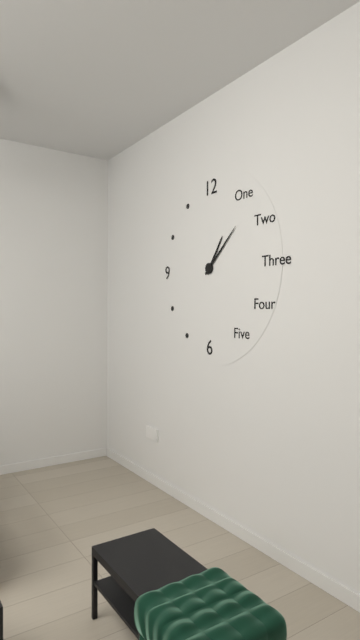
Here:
1,08
